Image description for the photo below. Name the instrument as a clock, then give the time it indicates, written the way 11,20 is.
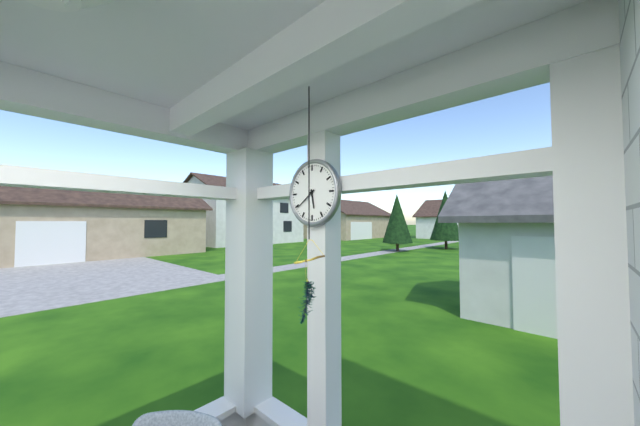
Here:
5,39
